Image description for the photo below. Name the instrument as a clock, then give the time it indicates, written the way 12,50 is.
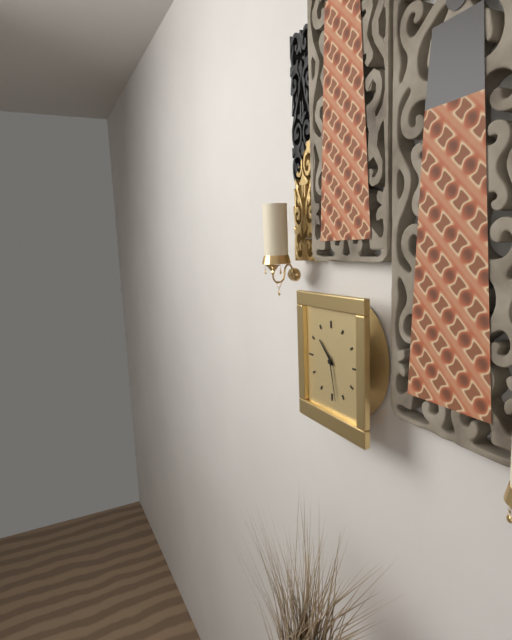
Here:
10,28
